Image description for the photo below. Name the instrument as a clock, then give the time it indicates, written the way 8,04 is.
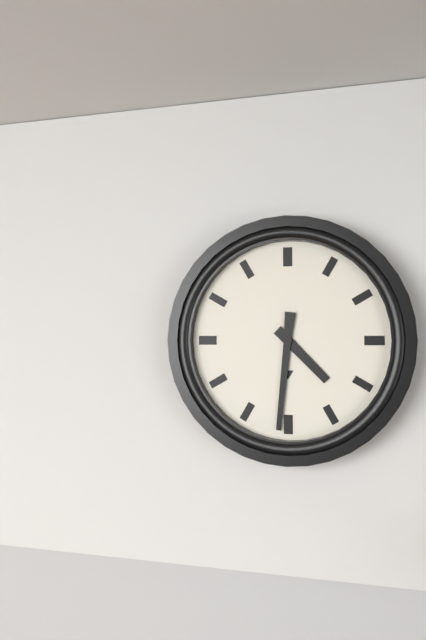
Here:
4,31
